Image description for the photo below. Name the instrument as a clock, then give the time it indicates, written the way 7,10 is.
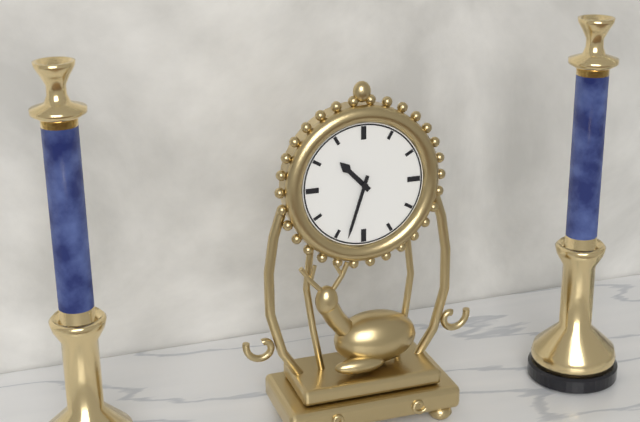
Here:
10,33
